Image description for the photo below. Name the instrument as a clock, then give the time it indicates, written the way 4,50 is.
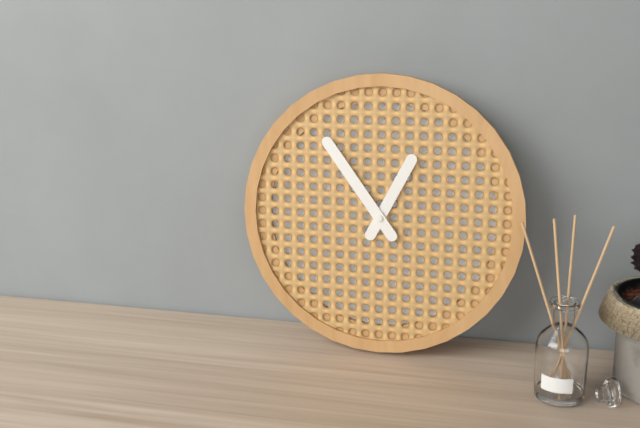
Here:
12,54
